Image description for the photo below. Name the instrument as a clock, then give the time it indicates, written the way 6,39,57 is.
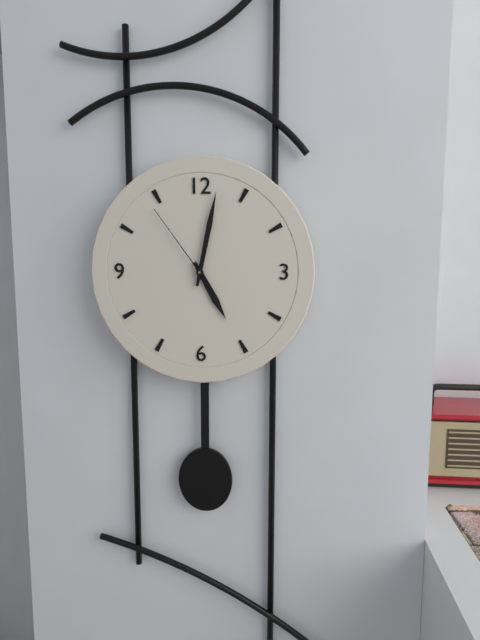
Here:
5,02,54
